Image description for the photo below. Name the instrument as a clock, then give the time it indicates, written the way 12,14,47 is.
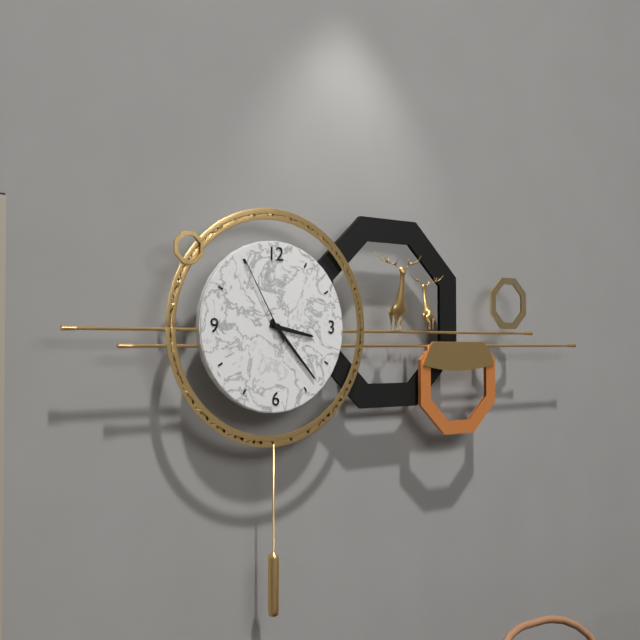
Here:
3,23,55
